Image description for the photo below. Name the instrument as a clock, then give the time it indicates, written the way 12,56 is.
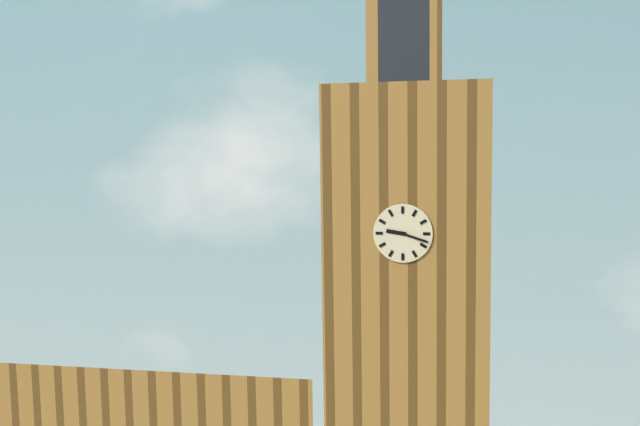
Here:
9,18
